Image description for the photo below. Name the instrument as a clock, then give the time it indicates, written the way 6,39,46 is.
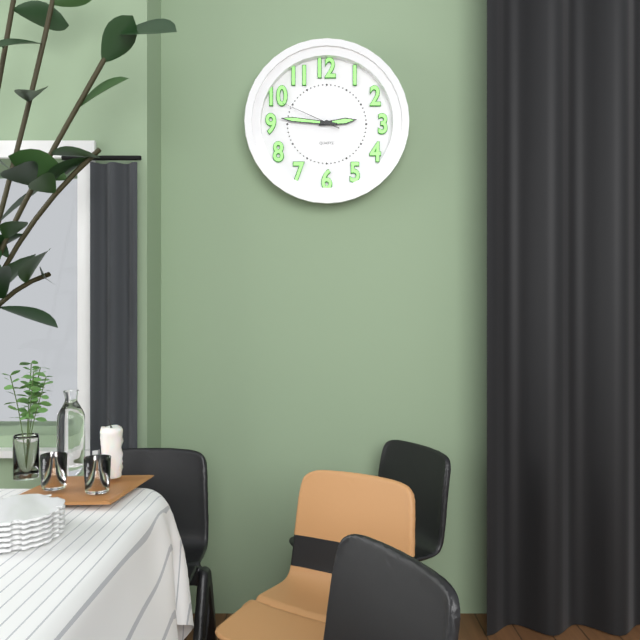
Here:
2,46,49
